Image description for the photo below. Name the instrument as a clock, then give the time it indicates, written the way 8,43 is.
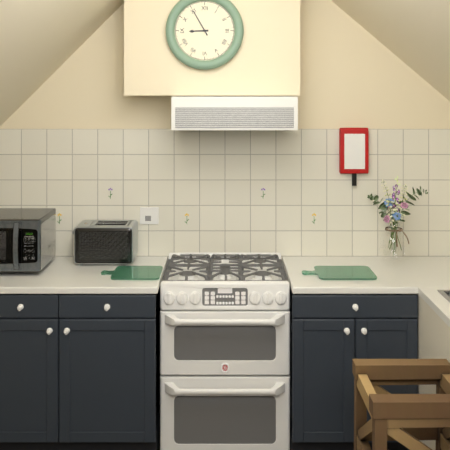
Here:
8,55
